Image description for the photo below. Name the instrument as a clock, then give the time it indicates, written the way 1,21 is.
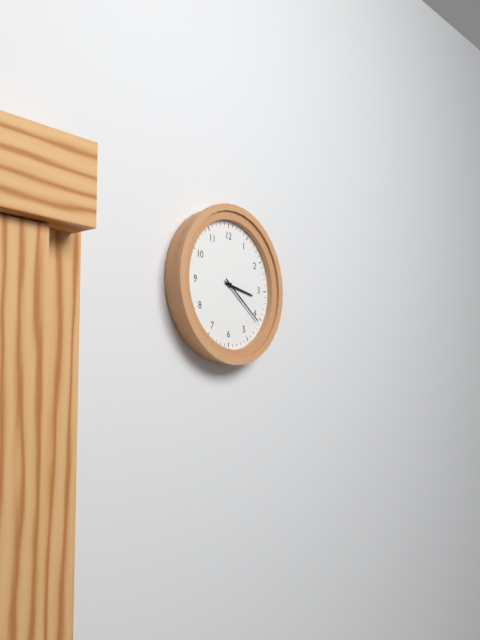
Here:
3,21
